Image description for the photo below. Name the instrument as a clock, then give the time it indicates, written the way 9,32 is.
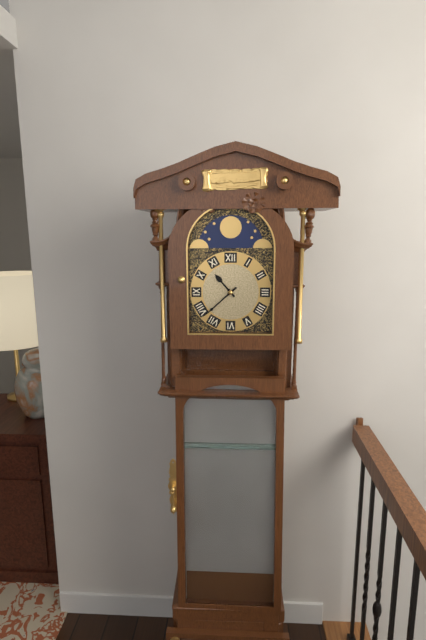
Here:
10,38
